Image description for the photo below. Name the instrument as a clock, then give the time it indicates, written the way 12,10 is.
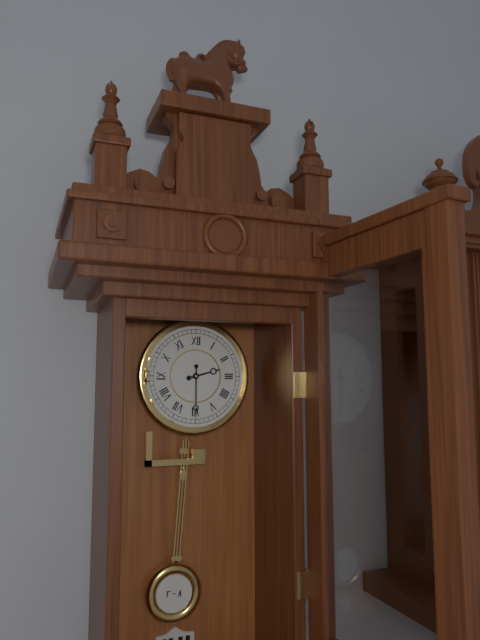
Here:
2,30
